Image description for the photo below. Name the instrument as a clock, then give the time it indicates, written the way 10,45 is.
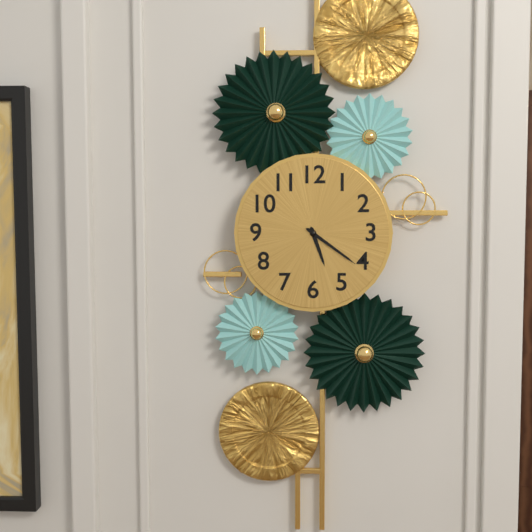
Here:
5,21
